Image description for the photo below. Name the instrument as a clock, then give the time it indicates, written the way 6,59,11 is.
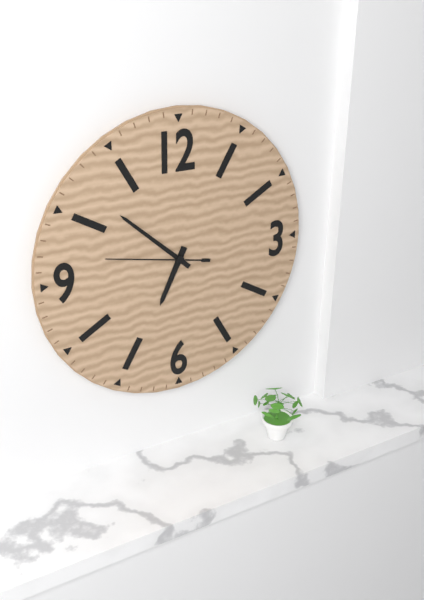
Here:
6,52,47
